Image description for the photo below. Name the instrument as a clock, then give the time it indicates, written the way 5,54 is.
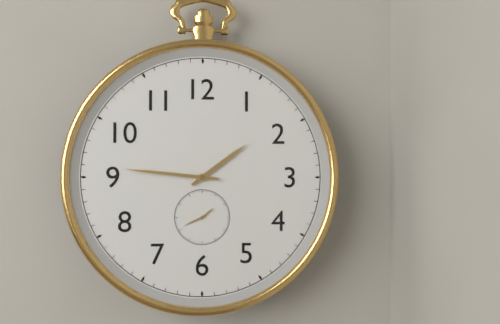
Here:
1,46
